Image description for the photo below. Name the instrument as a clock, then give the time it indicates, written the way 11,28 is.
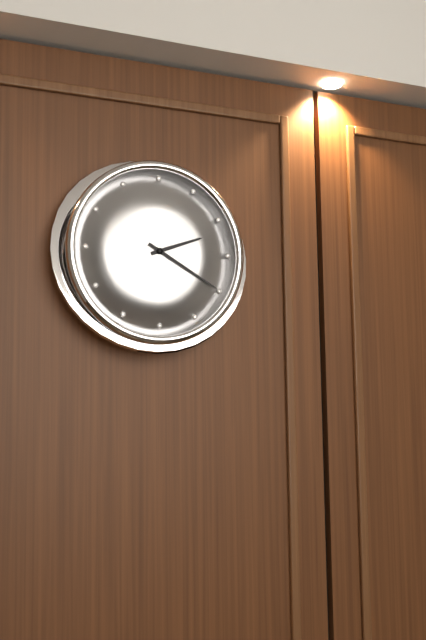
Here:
2,20
